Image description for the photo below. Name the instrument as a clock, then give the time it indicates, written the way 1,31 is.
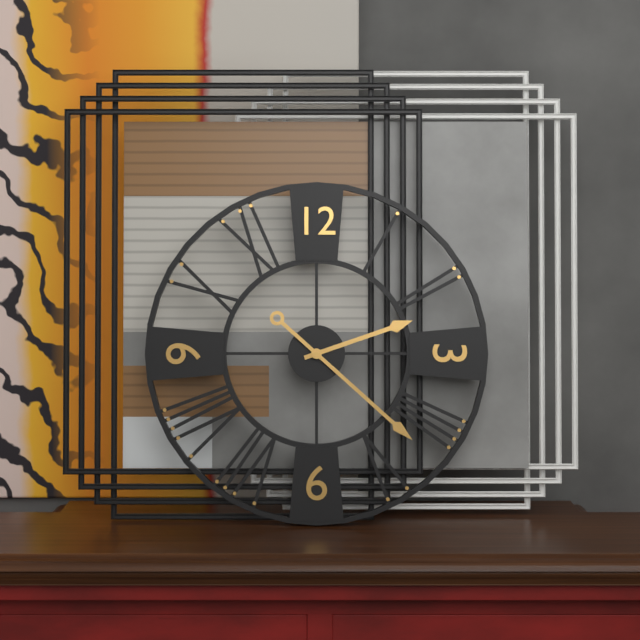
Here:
2,22
